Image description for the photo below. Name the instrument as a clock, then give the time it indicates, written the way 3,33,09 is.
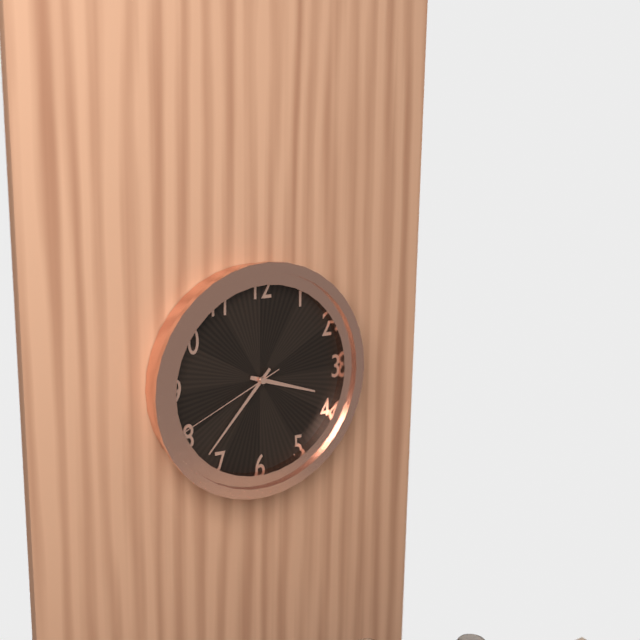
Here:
3,37,41
